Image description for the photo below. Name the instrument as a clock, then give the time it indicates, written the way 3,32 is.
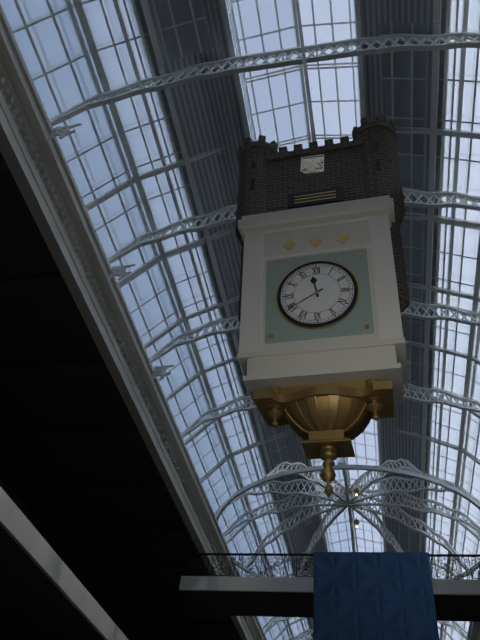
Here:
11,40
